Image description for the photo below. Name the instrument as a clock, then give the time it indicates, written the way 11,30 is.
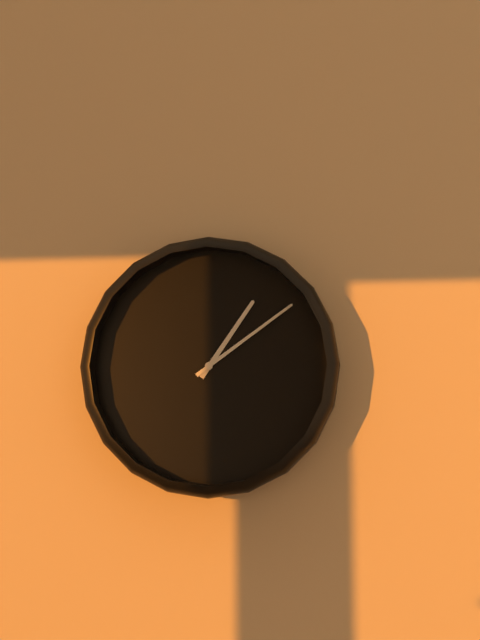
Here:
1,09
